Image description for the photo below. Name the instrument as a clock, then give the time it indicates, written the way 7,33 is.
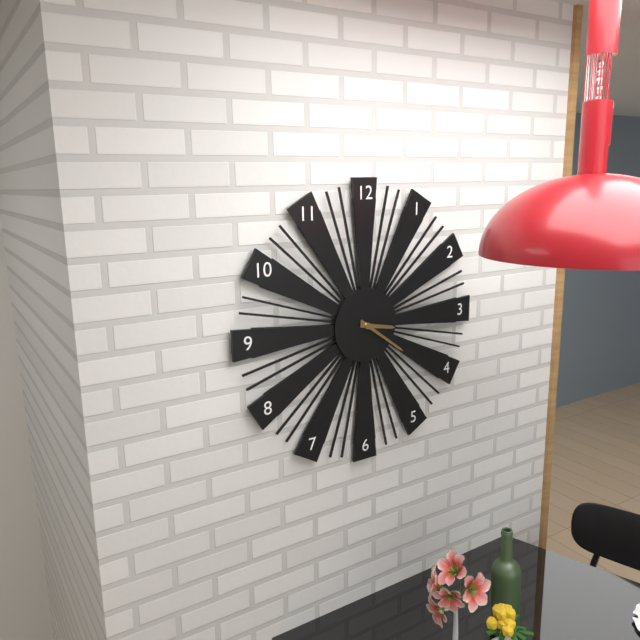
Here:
3,21
